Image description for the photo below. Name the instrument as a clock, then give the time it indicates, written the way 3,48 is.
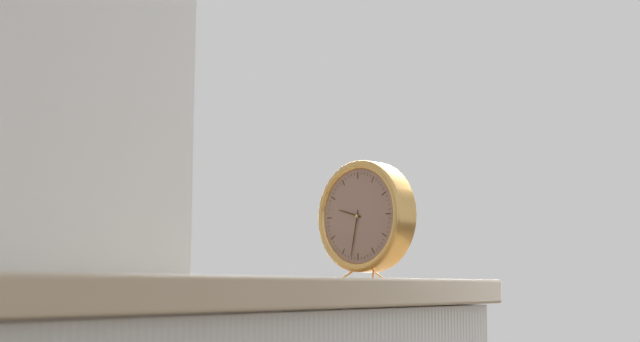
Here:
9,32
